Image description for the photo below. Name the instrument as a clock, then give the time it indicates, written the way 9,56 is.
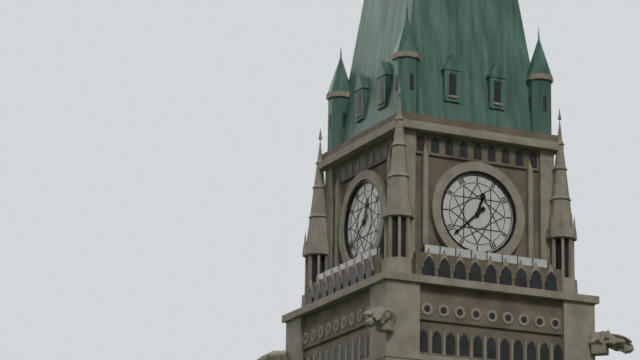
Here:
12,38
